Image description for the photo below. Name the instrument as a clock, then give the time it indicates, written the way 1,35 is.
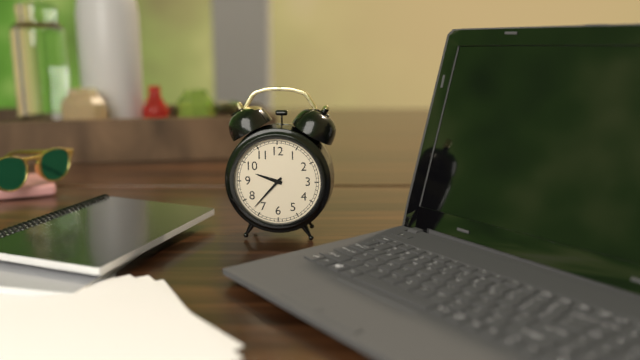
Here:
9,37
